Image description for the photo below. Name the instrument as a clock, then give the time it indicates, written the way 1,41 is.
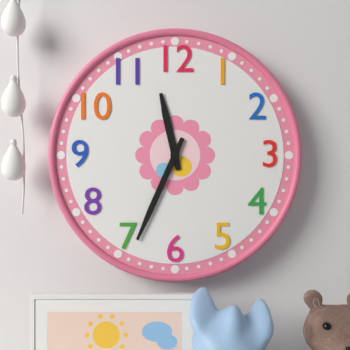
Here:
11,34
